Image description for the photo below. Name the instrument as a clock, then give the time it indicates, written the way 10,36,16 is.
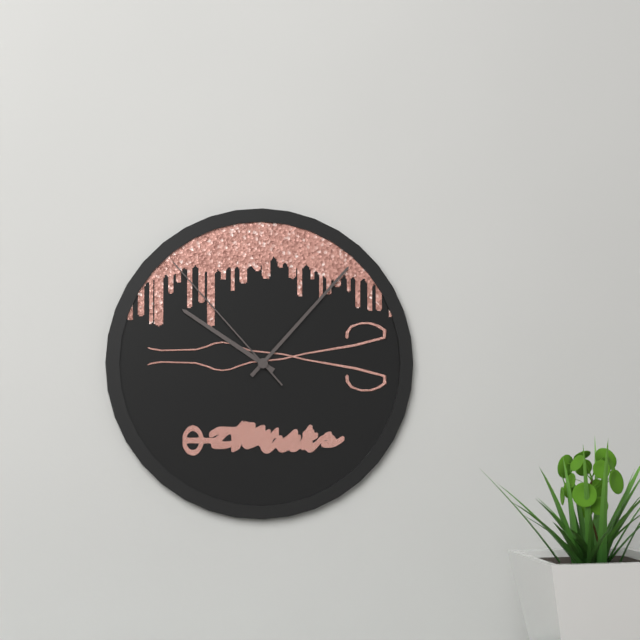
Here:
10,07,53
